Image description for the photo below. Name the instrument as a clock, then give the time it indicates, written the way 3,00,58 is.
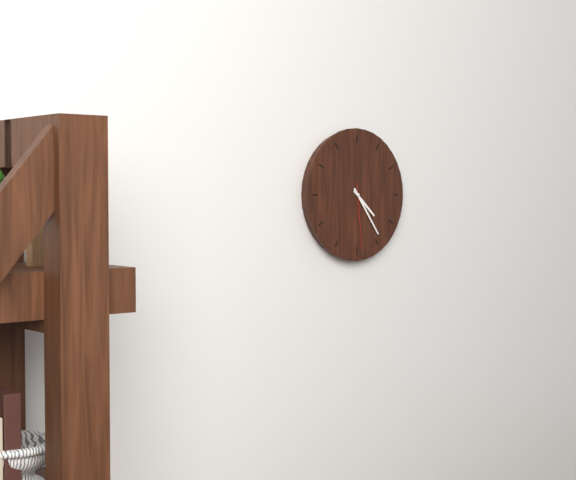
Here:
4,24,29
